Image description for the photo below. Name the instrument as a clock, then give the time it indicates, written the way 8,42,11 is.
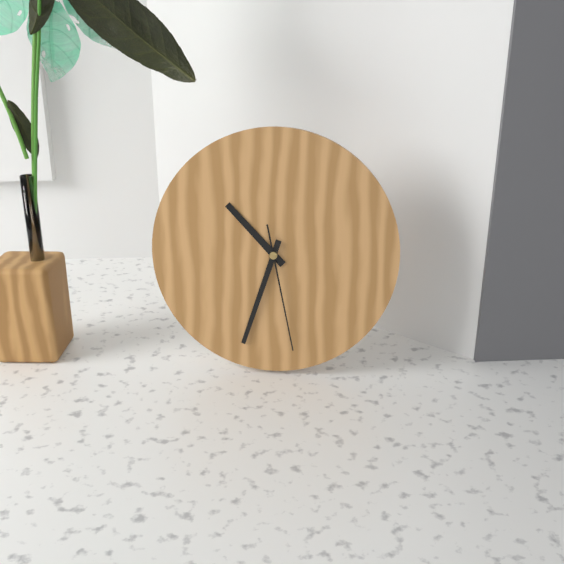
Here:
10,33,28
